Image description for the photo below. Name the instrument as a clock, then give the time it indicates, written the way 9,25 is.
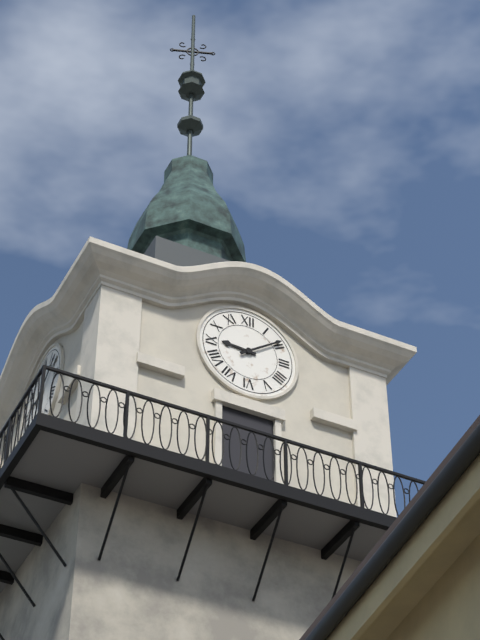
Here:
9,09
